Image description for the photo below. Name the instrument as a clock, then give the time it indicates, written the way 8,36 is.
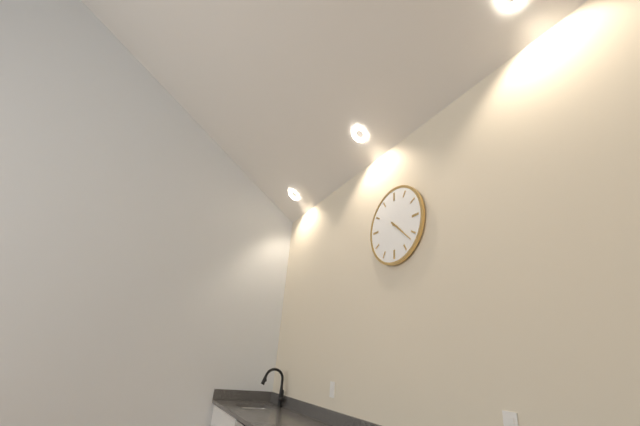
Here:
4,22
